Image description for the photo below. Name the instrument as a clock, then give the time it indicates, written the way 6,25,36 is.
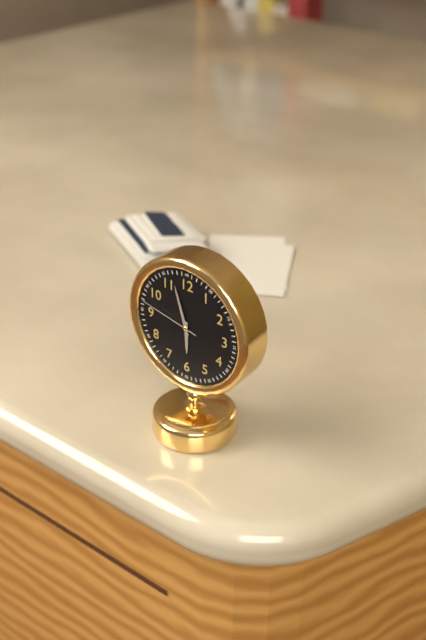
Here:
5,57,47
